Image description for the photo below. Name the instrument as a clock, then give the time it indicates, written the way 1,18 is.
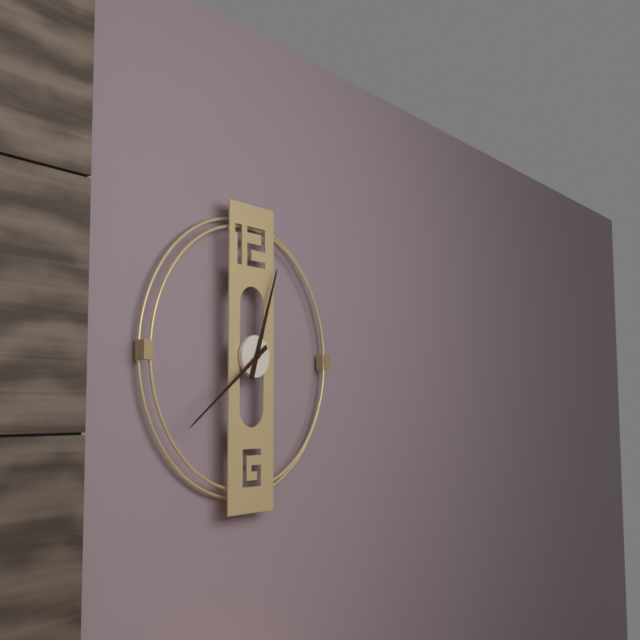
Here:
12,39
